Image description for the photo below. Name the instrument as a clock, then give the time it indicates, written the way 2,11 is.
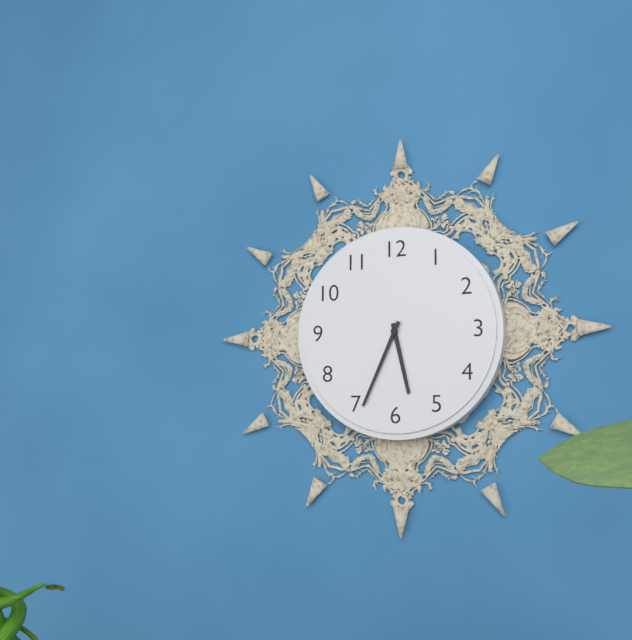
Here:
5,34
